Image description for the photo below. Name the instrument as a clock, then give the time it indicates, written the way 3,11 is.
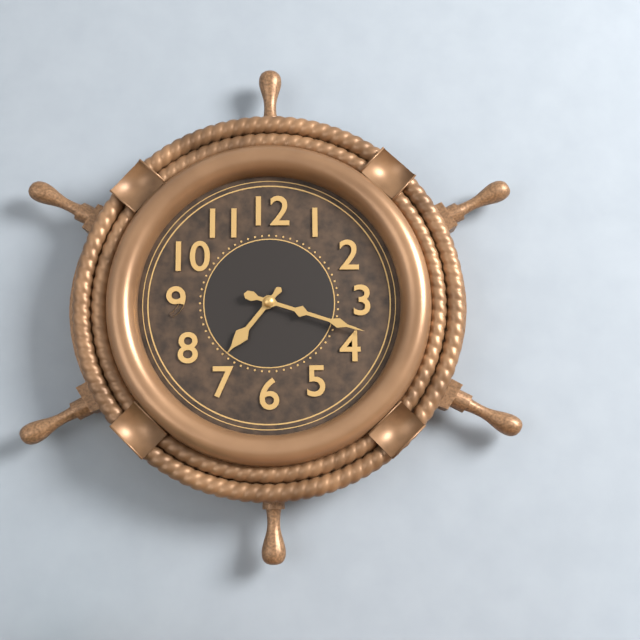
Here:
7,18
